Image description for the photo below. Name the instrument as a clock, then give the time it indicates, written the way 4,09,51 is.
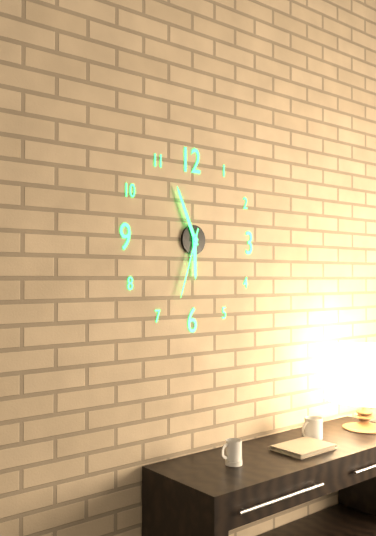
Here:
5,56,33
